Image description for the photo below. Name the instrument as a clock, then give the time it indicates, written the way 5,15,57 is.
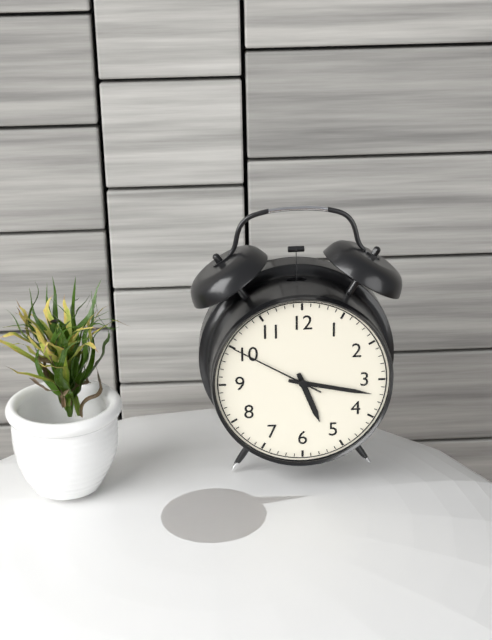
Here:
5,17,50
